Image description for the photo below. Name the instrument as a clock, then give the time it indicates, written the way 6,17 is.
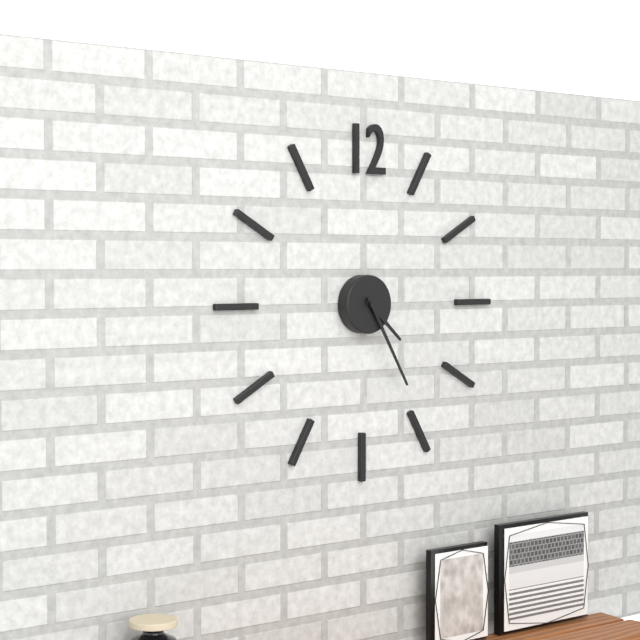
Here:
4,25
